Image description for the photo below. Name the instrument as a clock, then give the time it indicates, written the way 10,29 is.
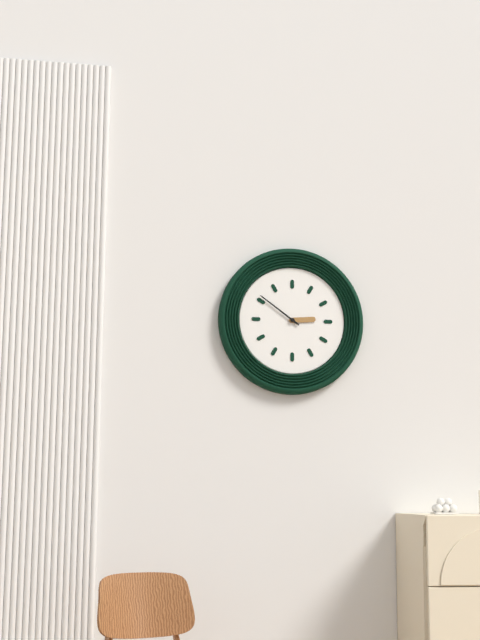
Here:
2,51
